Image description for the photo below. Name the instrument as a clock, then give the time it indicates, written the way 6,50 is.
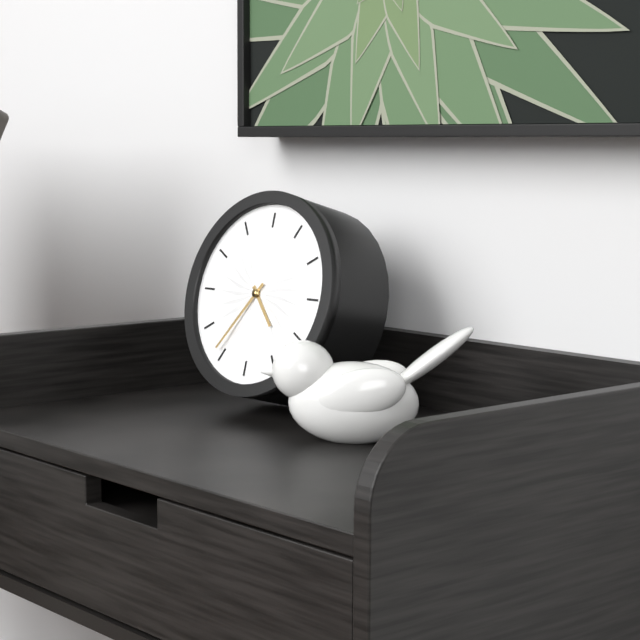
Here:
4,36
